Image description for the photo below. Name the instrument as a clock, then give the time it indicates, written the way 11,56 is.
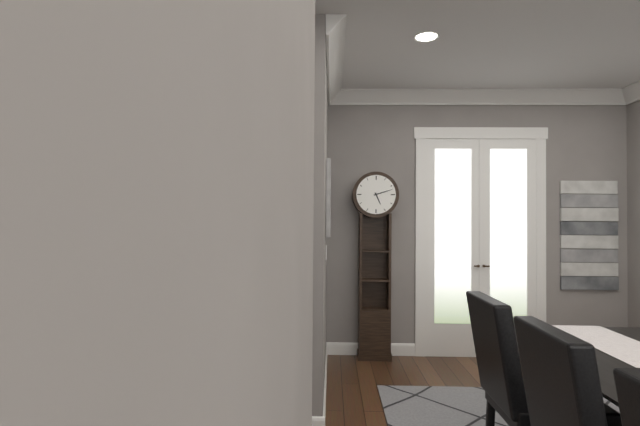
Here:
5,12
